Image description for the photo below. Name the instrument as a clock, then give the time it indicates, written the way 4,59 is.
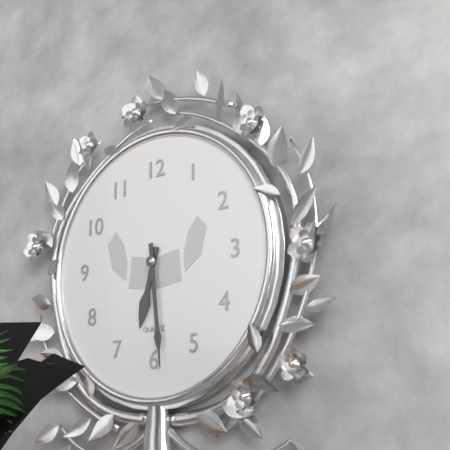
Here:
6,29
